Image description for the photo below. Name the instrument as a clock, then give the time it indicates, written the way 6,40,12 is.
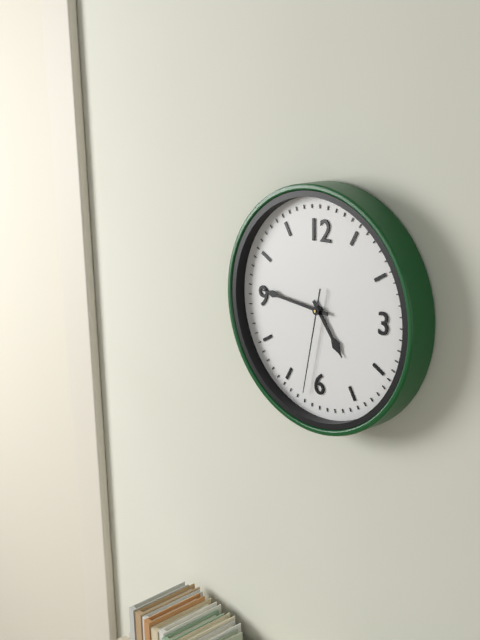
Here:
4,46,32
